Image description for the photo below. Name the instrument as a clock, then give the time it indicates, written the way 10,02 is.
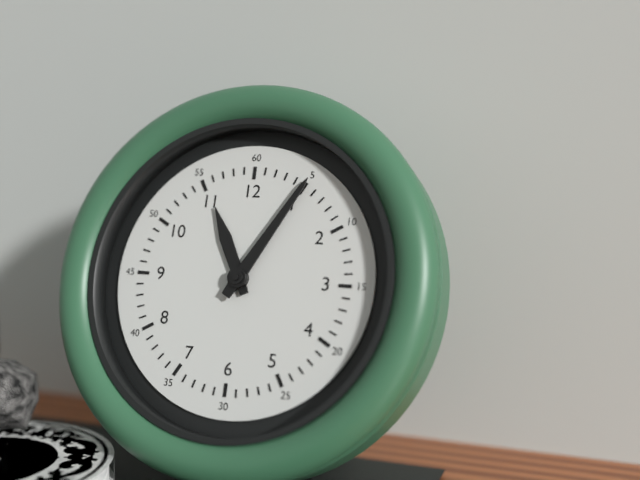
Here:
11,05
